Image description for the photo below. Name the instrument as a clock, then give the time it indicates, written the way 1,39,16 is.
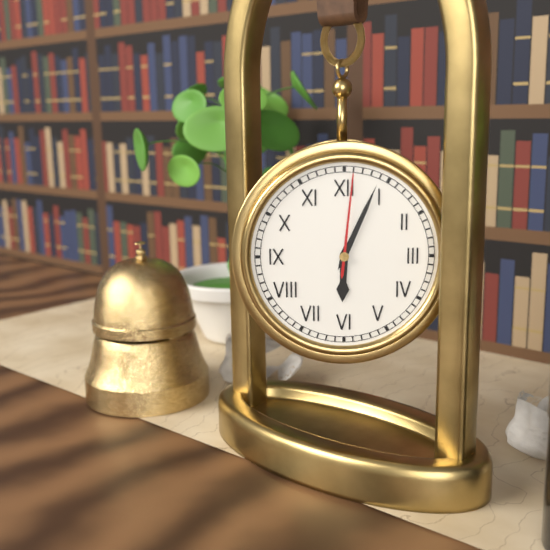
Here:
6,04,01
